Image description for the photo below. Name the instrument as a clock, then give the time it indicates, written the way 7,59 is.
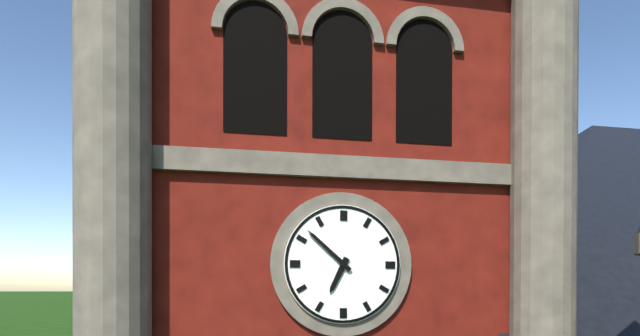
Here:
6,52
